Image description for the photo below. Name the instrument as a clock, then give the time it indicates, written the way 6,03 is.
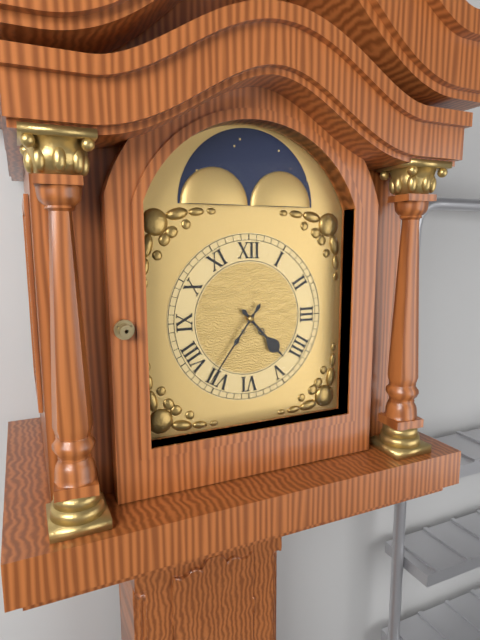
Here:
4,36
